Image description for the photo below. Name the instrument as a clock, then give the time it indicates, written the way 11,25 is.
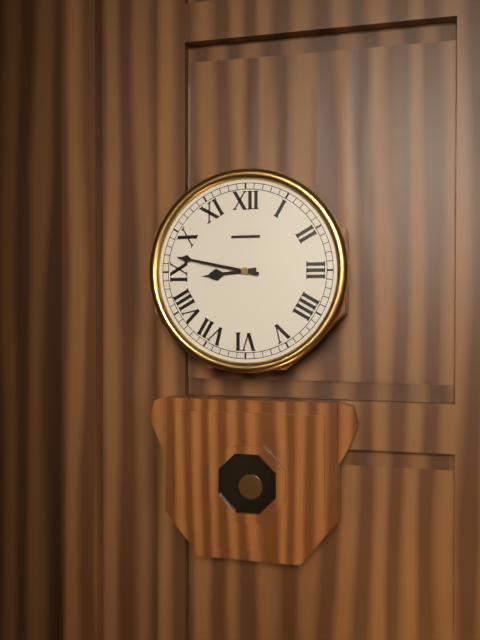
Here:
8,47
